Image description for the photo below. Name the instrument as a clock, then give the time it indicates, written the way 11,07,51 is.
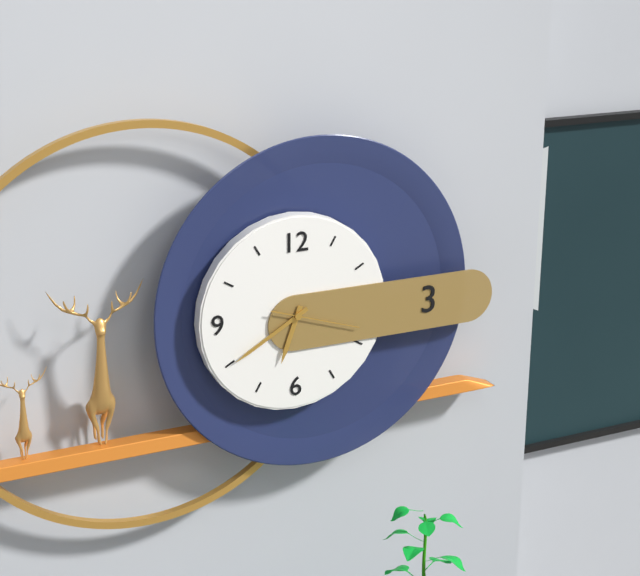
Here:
6,40,18
